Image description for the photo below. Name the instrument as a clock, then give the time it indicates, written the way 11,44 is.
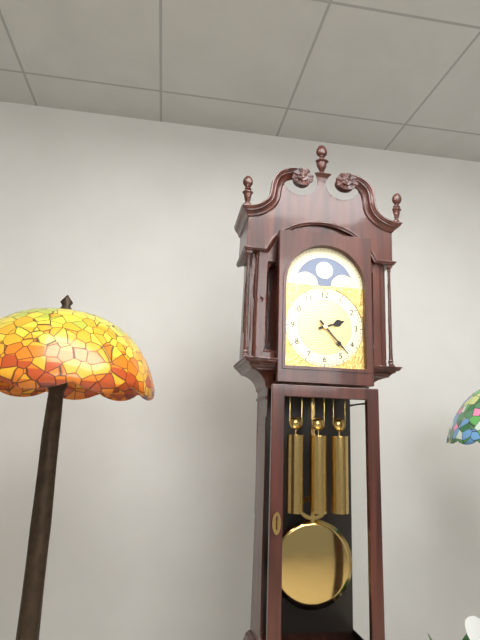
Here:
2,23
